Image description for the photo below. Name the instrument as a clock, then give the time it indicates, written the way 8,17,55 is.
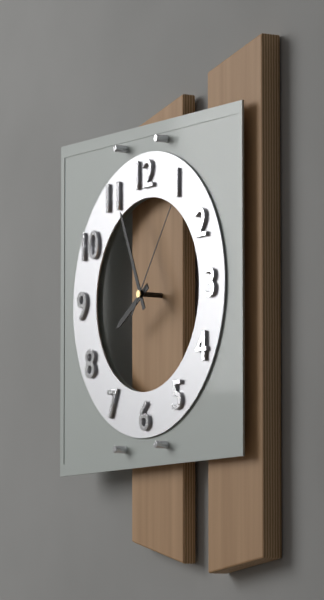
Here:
7,56,06
